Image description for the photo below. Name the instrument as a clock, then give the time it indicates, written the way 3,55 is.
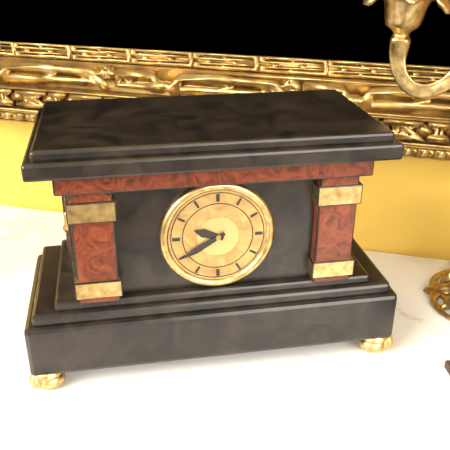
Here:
9,40
